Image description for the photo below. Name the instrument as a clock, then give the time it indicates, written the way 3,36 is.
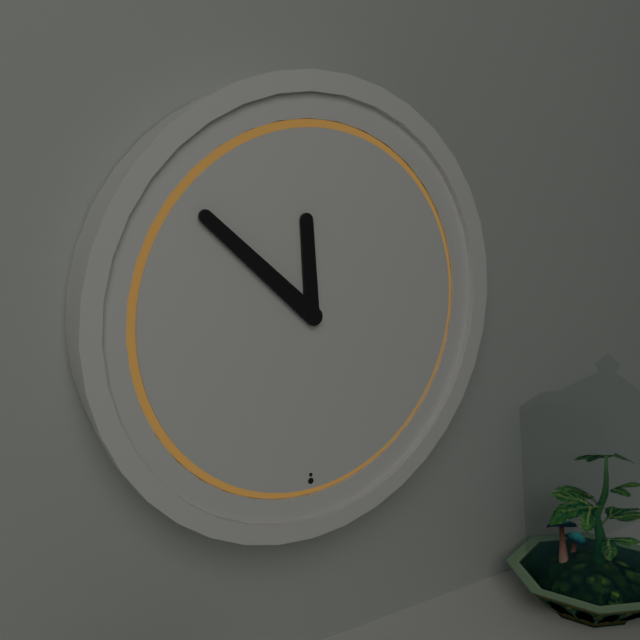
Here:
11,52
